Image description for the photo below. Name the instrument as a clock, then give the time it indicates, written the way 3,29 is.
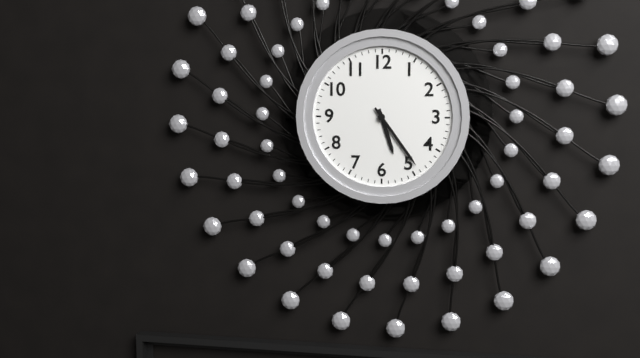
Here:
5,24
